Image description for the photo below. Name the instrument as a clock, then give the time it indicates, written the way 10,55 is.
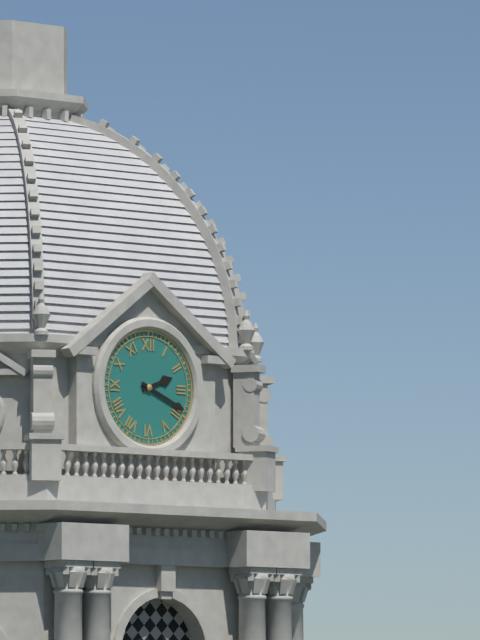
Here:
2,19
